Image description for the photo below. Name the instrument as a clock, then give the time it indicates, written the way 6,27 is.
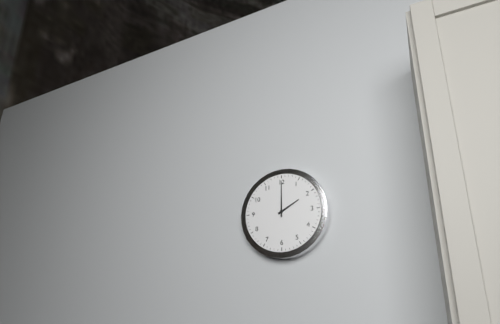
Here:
2,00
